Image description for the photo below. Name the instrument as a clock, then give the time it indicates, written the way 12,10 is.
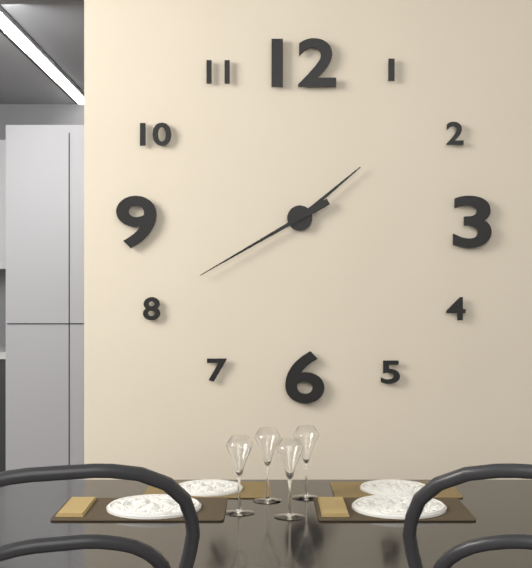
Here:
1,40
